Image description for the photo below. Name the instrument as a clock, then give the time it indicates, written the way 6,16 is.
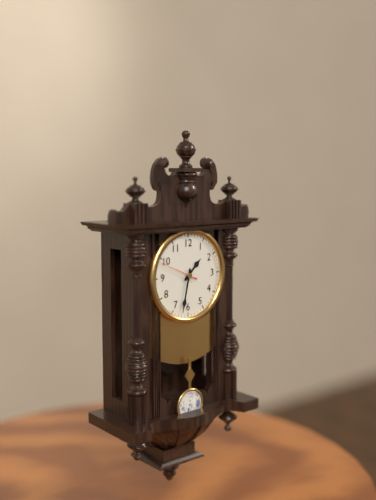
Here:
1,32
